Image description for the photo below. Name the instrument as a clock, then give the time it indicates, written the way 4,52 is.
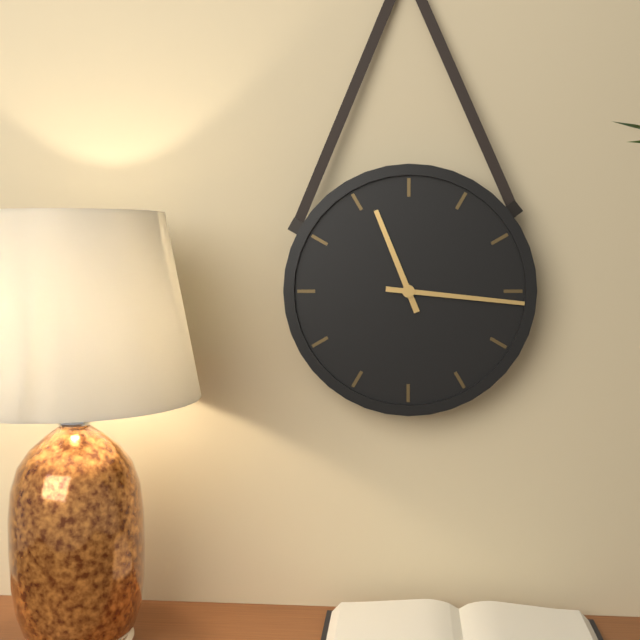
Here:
11,16
